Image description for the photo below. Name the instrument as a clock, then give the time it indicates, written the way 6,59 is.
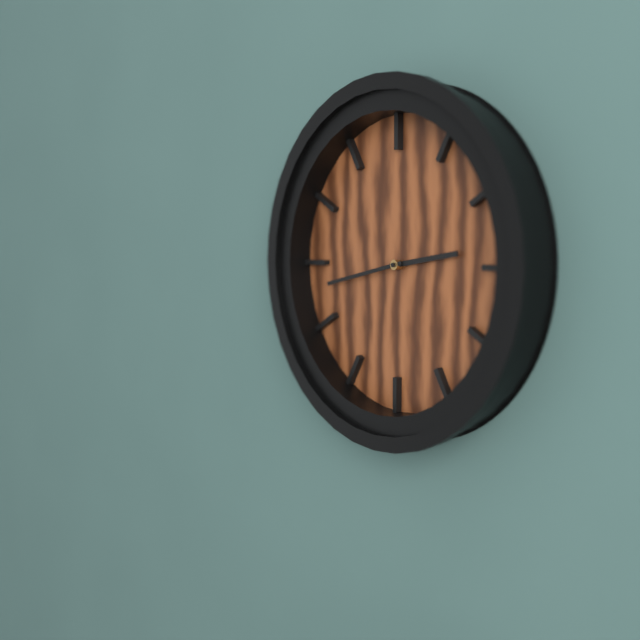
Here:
2,43
